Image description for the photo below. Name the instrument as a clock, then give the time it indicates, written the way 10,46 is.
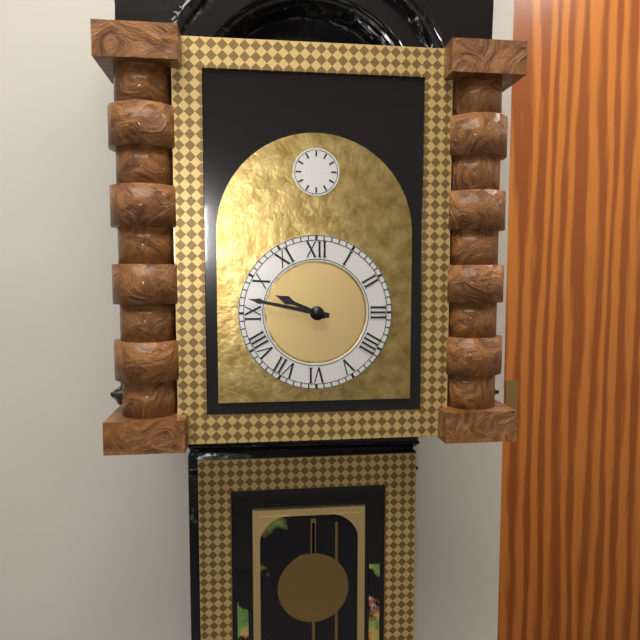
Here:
9,47
